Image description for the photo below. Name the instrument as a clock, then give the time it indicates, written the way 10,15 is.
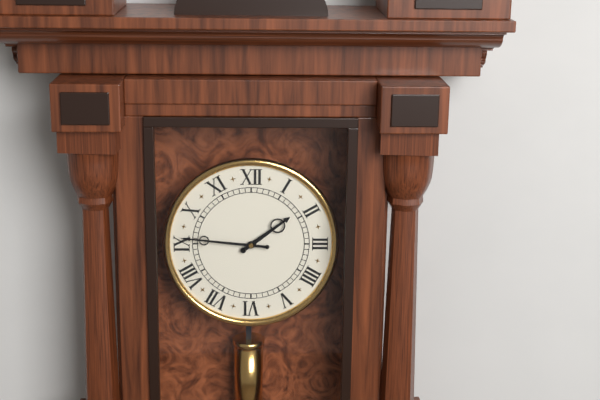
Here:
1,46
